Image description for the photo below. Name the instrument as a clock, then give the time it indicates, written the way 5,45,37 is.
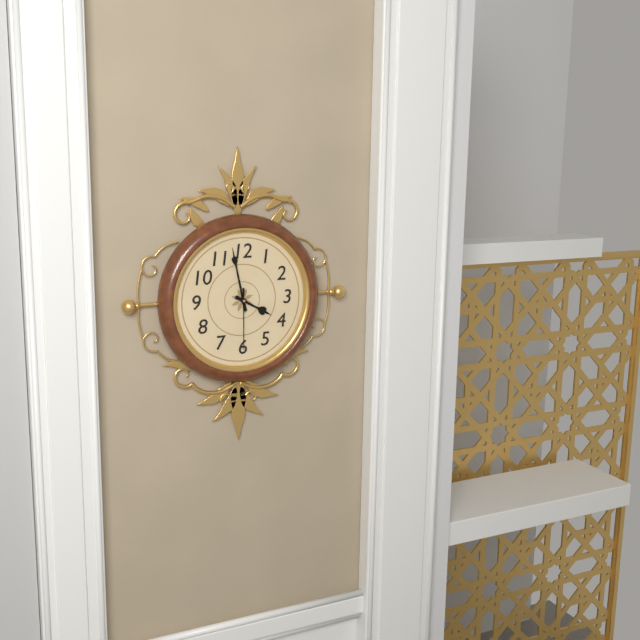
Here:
3,58,30
